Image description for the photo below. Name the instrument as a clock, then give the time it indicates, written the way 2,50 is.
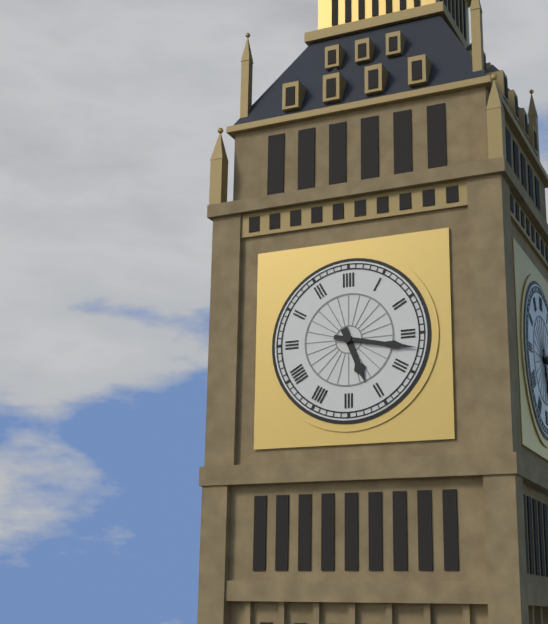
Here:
5,17
